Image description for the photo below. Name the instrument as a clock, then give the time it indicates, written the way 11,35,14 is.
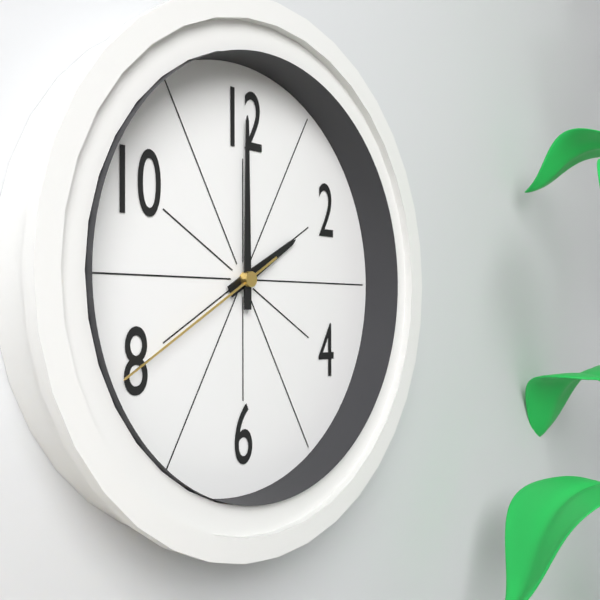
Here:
2,00,40
